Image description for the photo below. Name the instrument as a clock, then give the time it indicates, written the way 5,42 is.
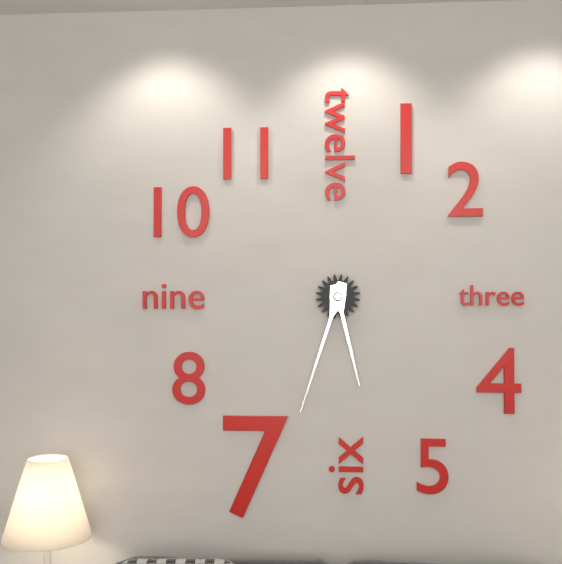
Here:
5,33
